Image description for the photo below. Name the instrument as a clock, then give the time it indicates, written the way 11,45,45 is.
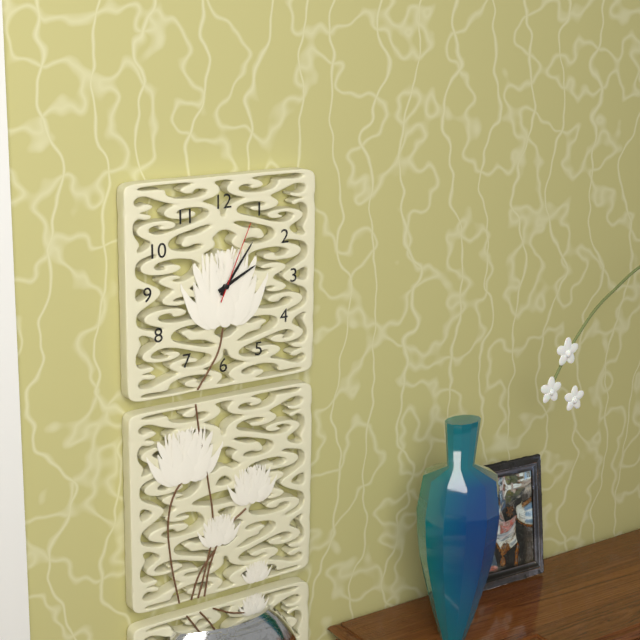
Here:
2,06,04
